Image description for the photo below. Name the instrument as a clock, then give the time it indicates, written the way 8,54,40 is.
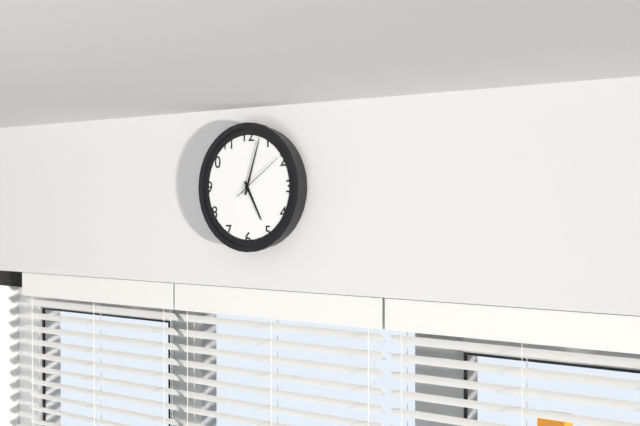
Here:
5,03,09
